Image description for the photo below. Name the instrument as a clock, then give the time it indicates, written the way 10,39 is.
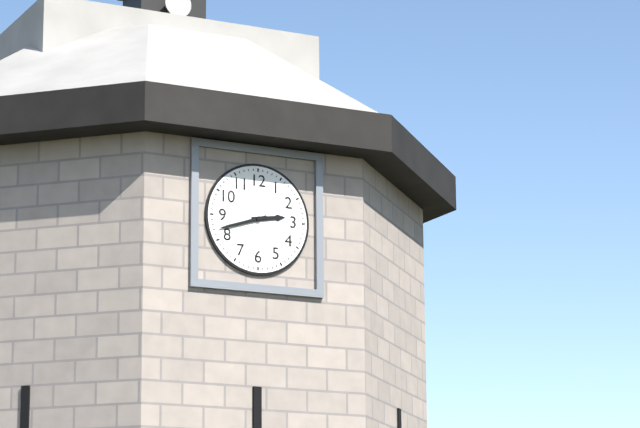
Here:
2,42
